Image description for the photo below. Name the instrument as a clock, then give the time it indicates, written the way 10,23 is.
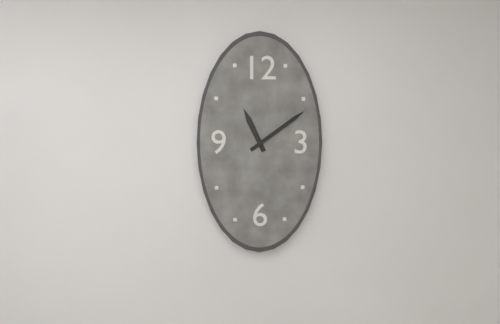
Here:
11,09
